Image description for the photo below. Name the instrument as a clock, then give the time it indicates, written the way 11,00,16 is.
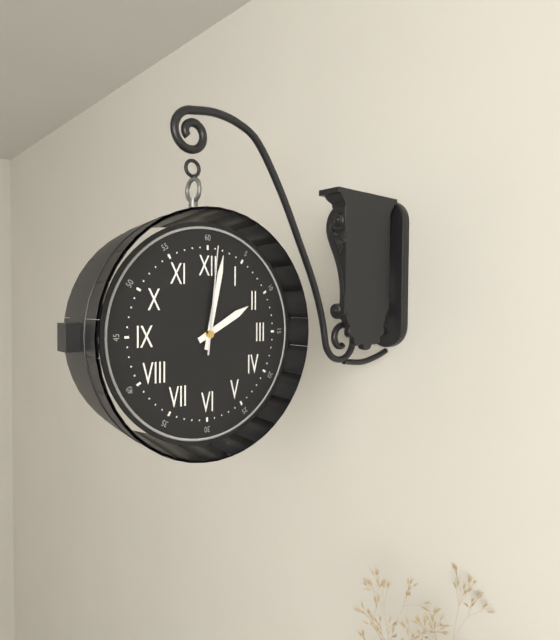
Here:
2,02,01
